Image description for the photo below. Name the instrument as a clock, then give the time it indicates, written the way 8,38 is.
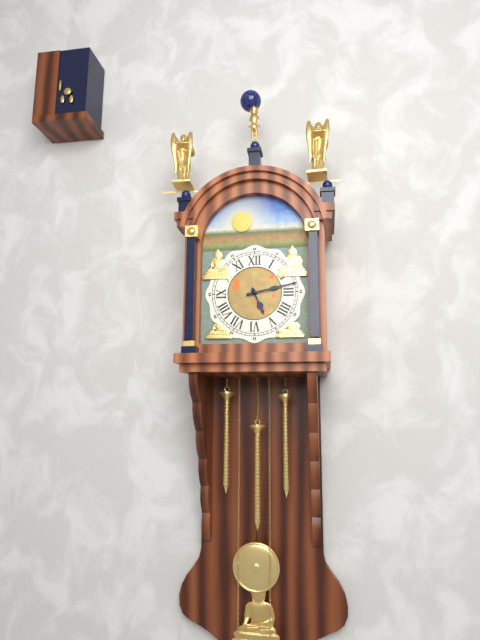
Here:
5,13
